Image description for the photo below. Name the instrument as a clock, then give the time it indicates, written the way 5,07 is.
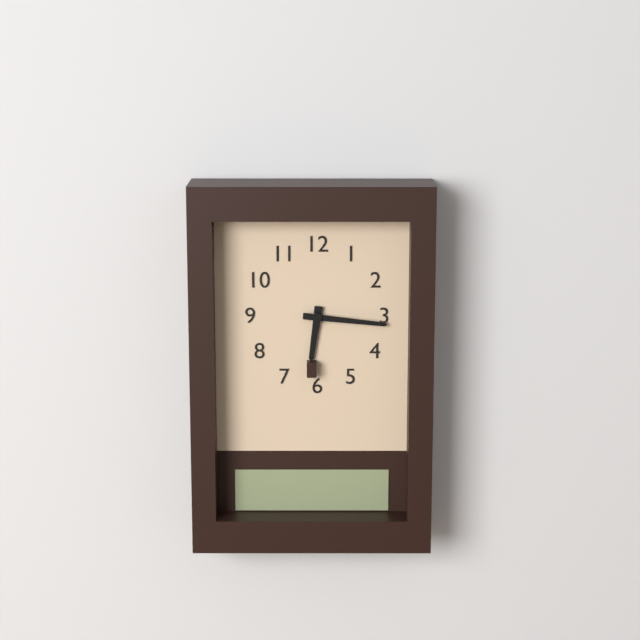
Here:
6,16
